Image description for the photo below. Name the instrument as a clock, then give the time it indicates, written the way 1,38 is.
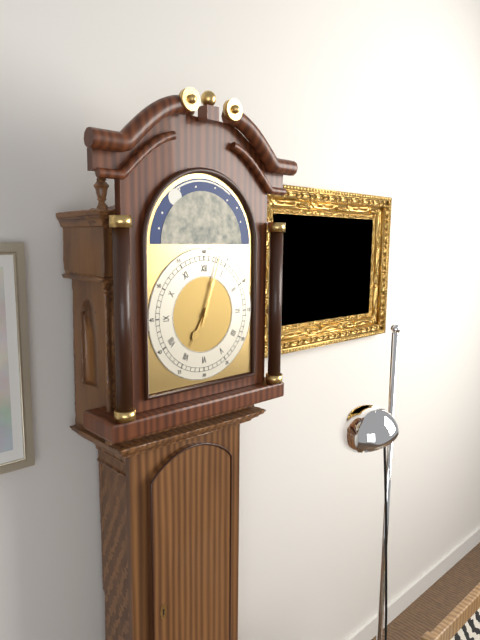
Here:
7,03
